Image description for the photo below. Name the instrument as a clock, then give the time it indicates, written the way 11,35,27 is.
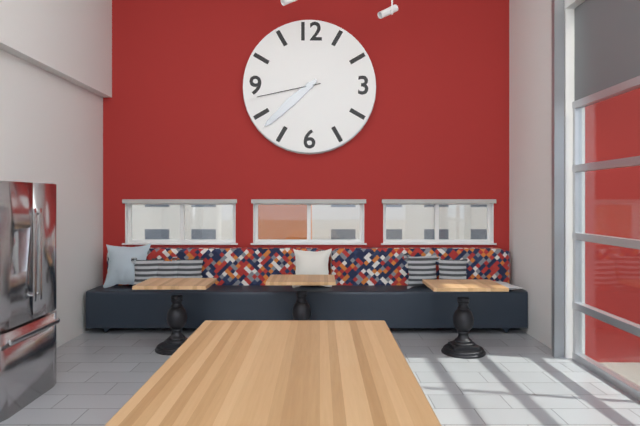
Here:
7,38,43
